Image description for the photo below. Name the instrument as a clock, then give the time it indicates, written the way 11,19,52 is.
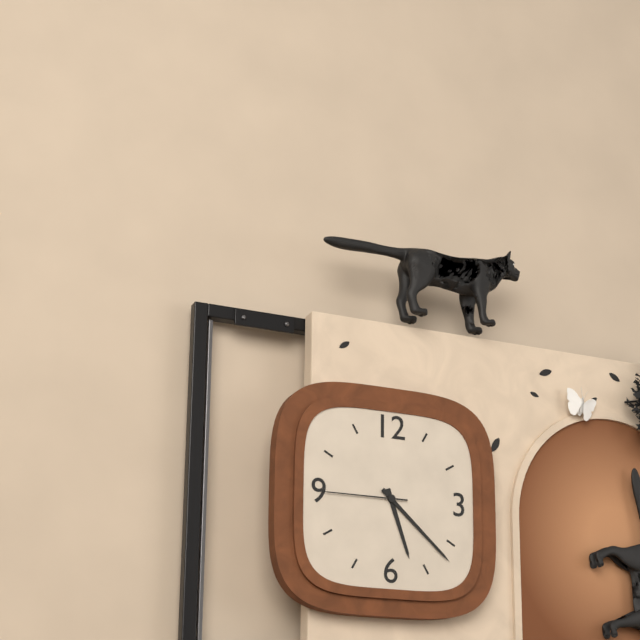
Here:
5,22,45
